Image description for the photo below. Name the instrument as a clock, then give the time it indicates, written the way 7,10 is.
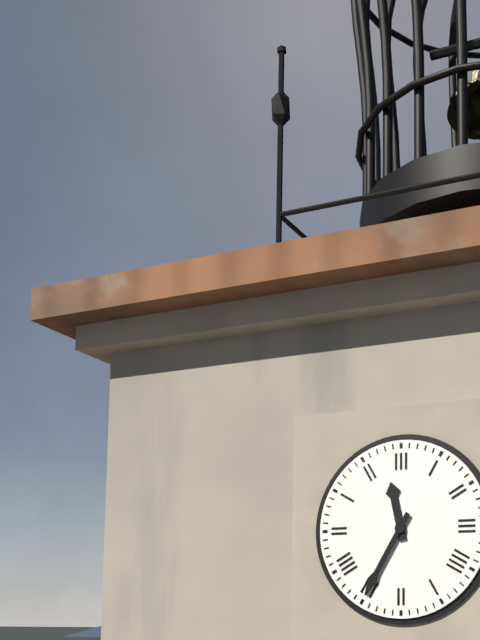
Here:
11,35
